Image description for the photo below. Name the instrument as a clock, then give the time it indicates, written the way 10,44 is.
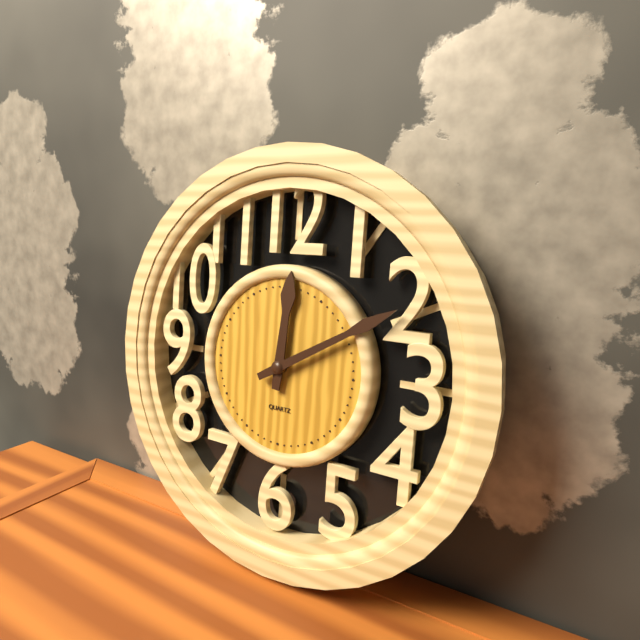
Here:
12,10
